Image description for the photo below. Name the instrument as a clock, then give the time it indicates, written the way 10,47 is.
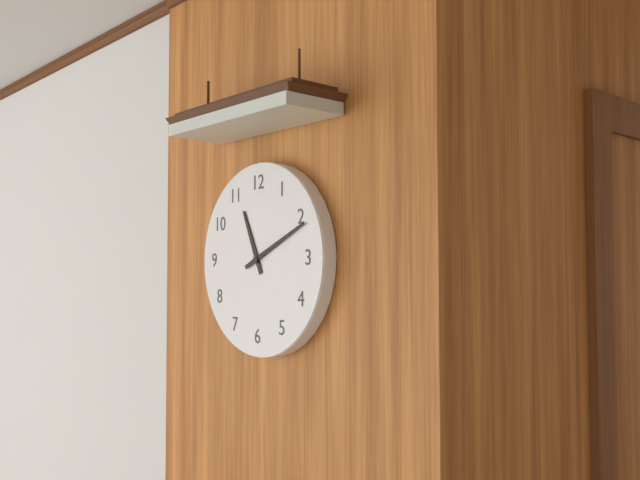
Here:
11,11
